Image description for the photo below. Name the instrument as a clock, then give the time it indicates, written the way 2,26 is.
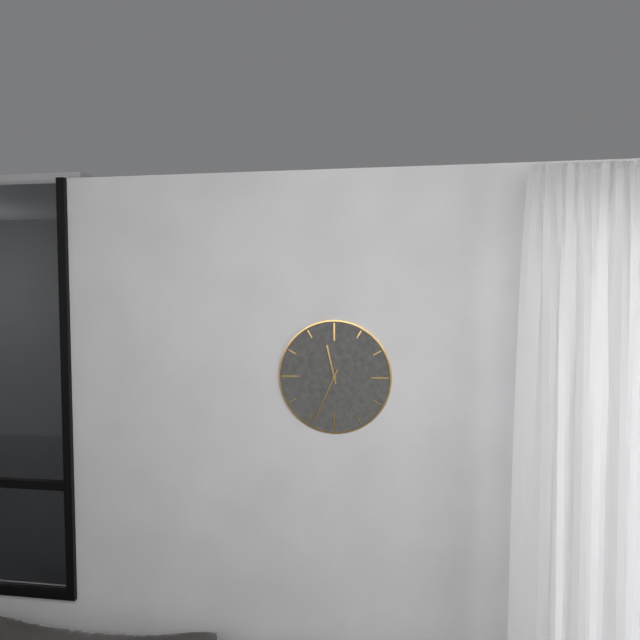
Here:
11,34
